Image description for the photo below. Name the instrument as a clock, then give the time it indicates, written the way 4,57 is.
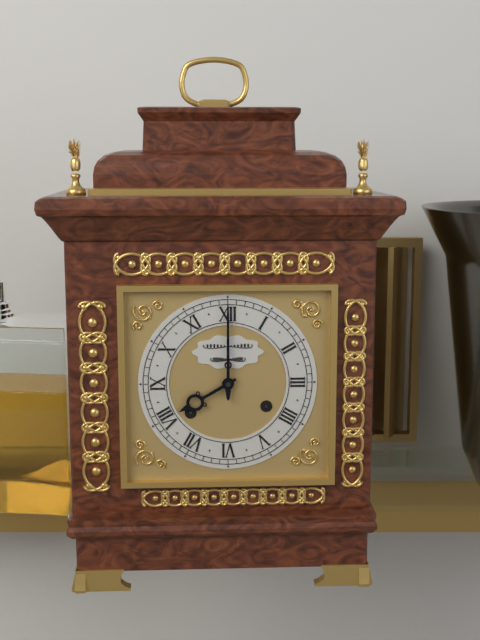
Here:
8,00
